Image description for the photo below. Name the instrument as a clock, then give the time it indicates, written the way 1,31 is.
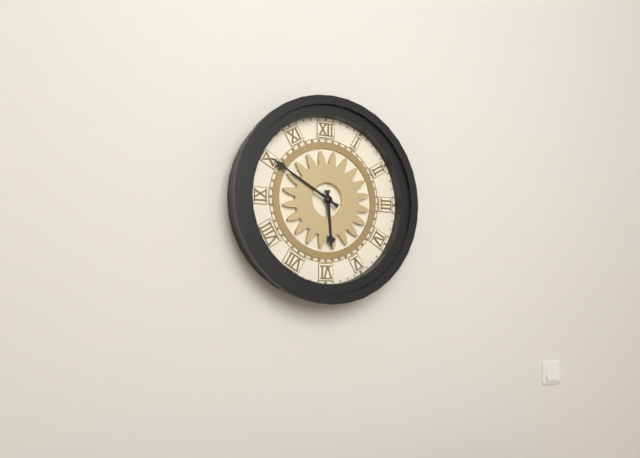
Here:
5,50
